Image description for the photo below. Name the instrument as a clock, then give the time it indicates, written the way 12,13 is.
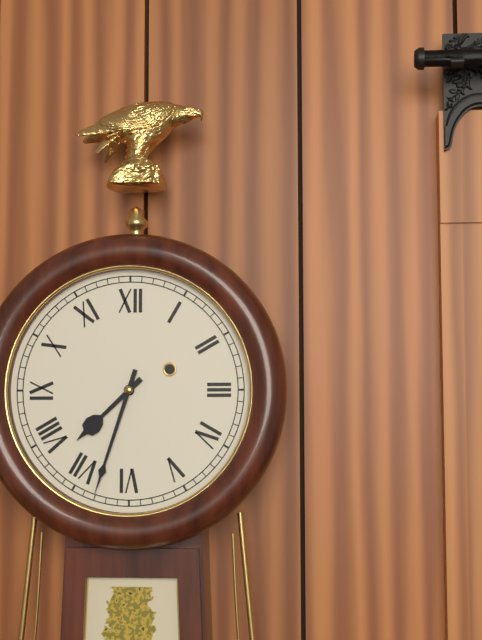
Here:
7,33
